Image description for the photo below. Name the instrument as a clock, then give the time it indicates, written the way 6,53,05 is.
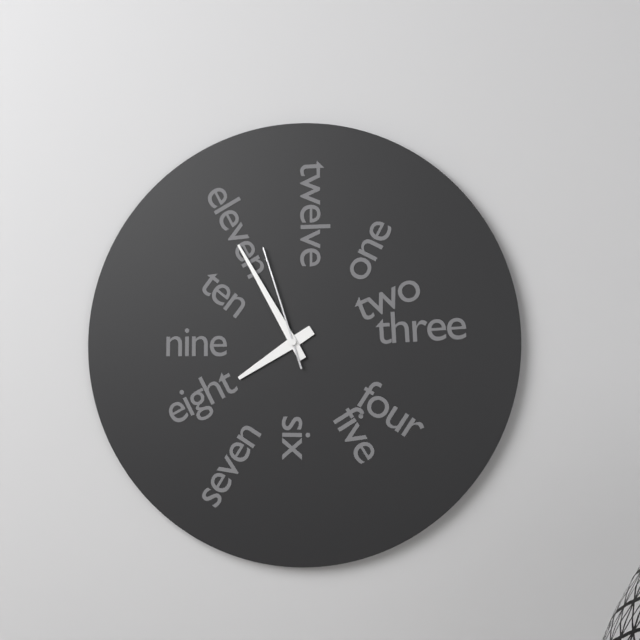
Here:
7,55,57
